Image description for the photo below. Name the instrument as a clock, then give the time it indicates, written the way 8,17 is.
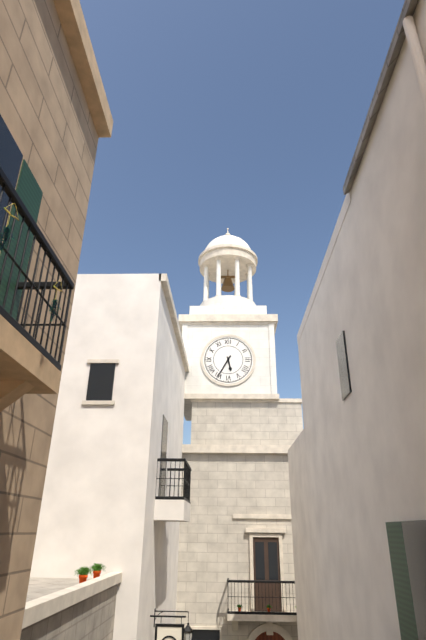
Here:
5,35
